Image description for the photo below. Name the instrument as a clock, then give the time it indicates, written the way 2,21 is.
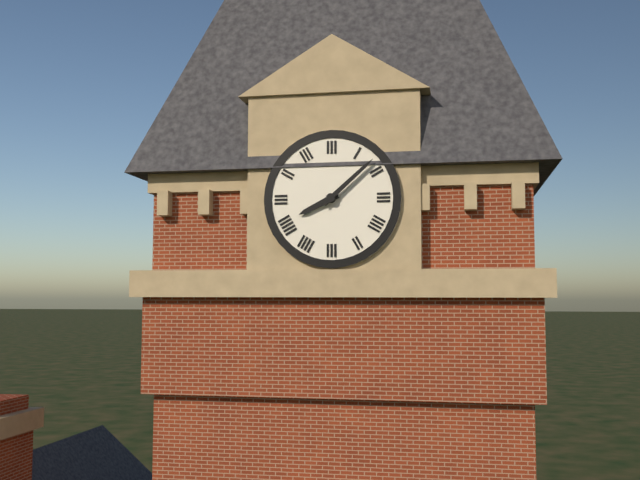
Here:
8,08
